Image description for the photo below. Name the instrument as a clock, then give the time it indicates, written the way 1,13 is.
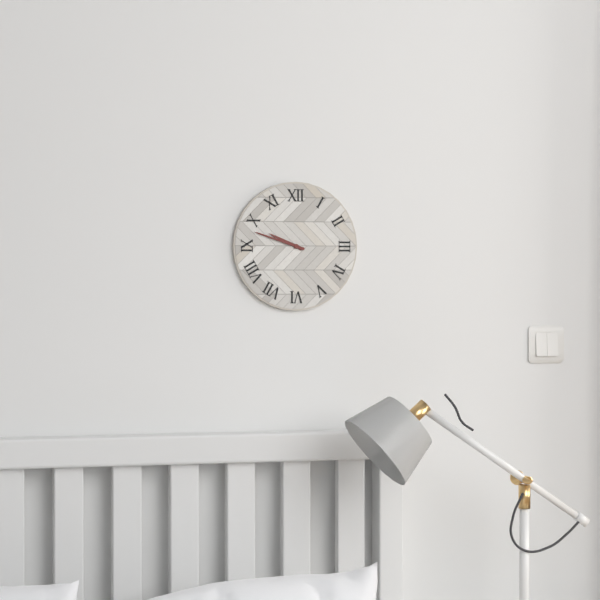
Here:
9,48
